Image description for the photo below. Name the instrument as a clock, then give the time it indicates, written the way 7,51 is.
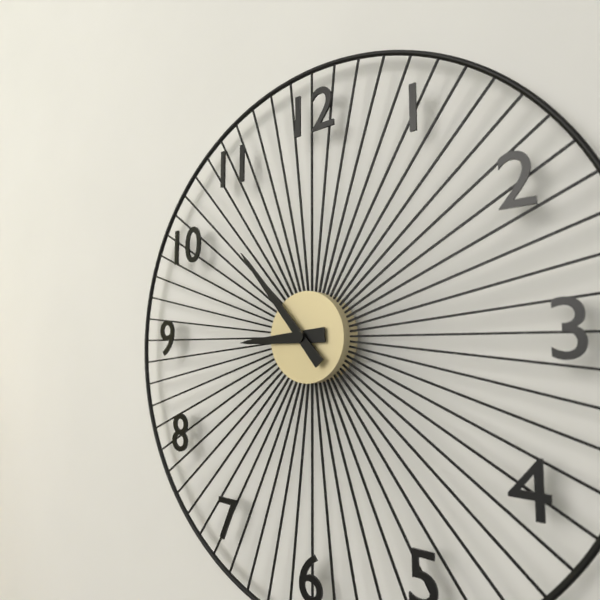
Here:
8,53
